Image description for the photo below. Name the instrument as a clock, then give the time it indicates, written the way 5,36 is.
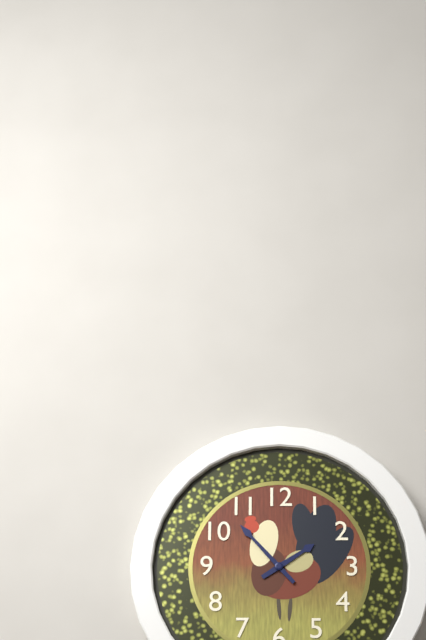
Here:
1,53
